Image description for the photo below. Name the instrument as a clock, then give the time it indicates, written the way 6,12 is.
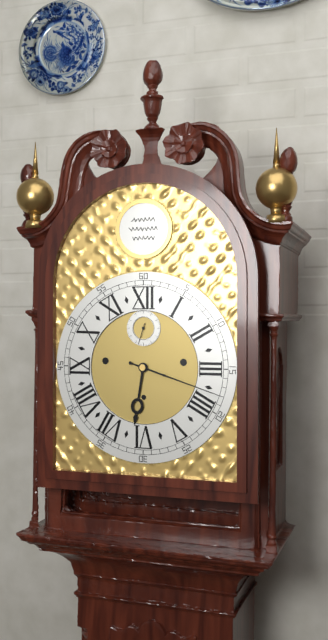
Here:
6,18
